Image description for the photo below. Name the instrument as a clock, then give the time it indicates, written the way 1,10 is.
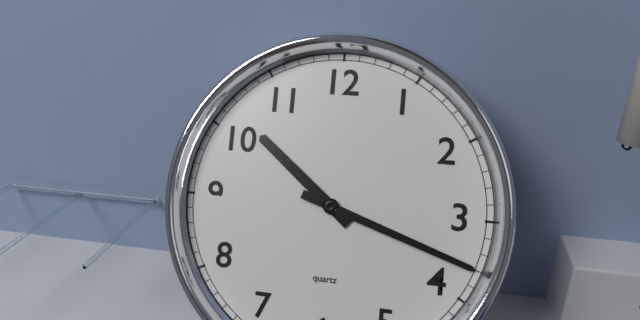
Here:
10,18
